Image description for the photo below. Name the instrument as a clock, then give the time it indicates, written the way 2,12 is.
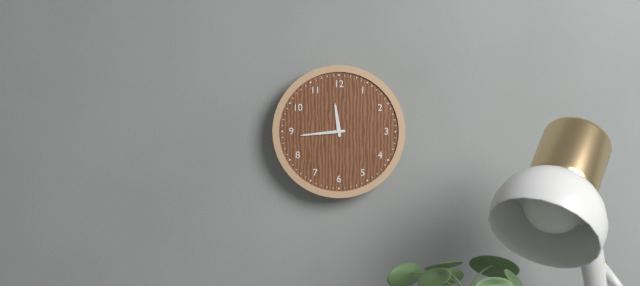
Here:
11,44
